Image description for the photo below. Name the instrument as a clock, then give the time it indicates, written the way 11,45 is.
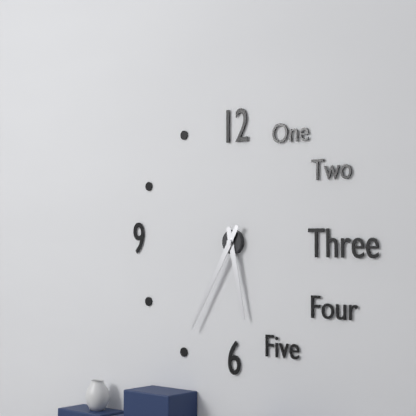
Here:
5,35
